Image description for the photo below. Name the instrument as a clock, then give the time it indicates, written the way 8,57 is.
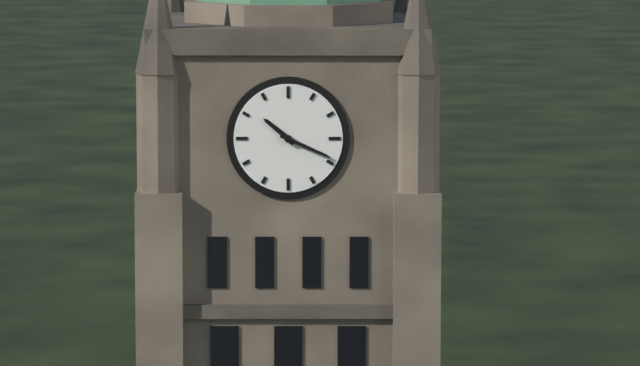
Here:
10,19
